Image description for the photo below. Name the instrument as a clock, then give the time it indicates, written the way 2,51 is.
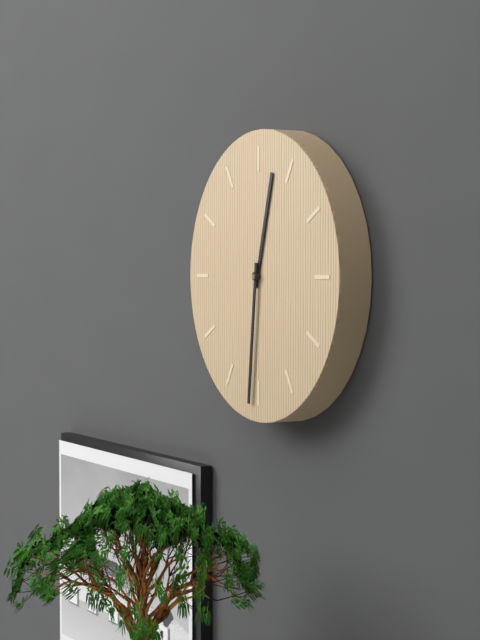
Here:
12,31
